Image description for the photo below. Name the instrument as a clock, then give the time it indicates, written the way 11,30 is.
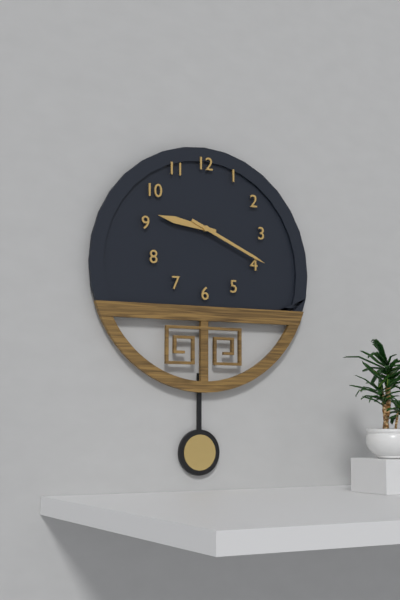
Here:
9,19
